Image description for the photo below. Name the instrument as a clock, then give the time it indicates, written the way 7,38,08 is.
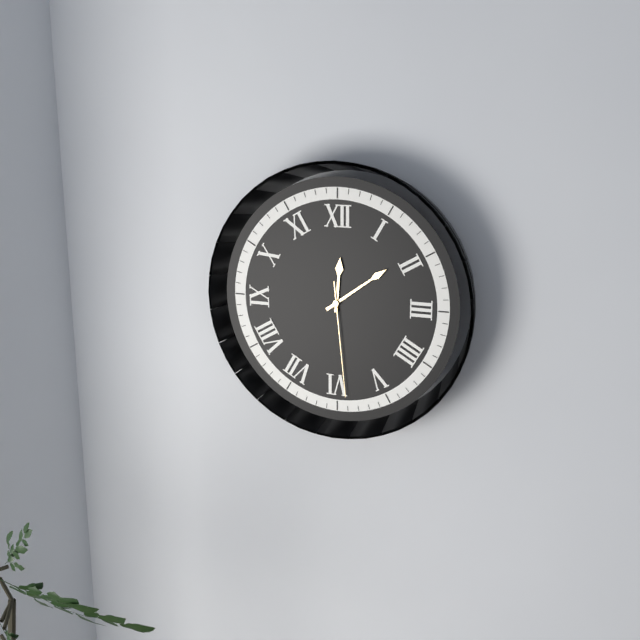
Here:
12,09,29
